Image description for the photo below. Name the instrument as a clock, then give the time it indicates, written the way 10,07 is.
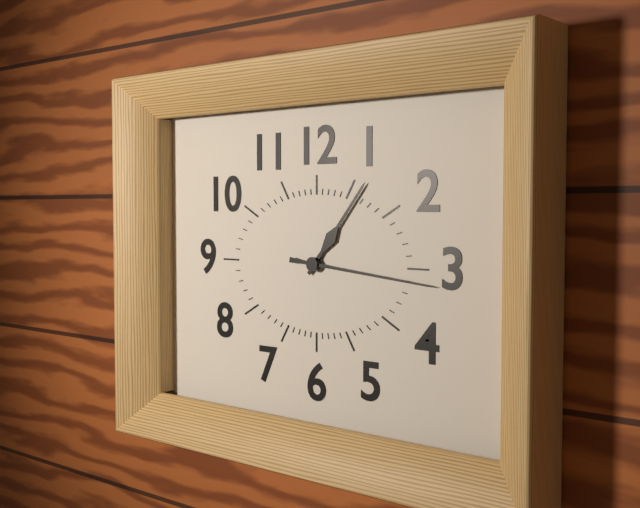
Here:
1,16
